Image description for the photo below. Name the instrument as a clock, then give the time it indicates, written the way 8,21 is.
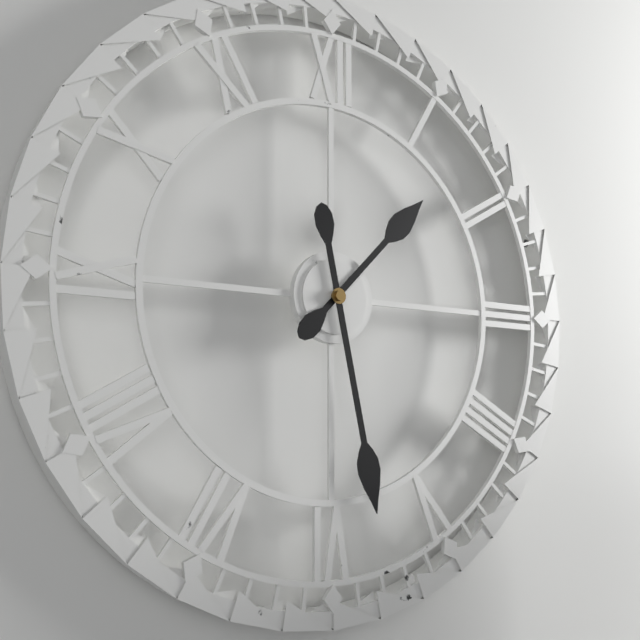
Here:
1,28
